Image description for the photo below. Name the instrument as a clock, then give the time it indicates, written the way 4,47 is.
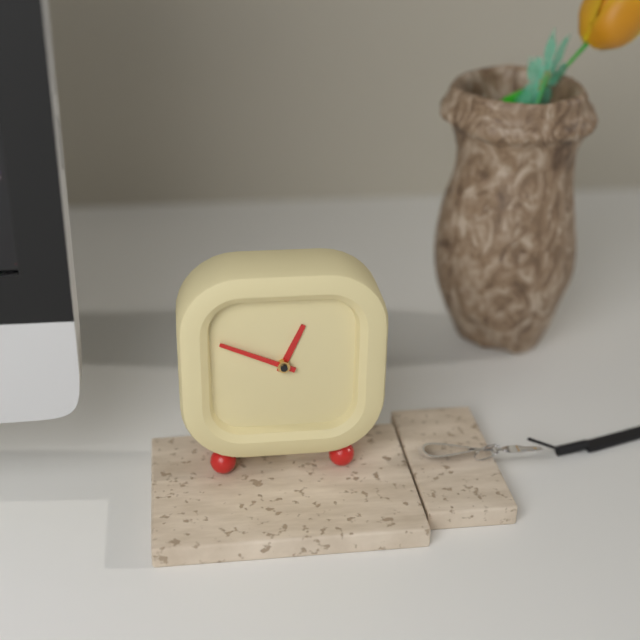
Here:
12,49
